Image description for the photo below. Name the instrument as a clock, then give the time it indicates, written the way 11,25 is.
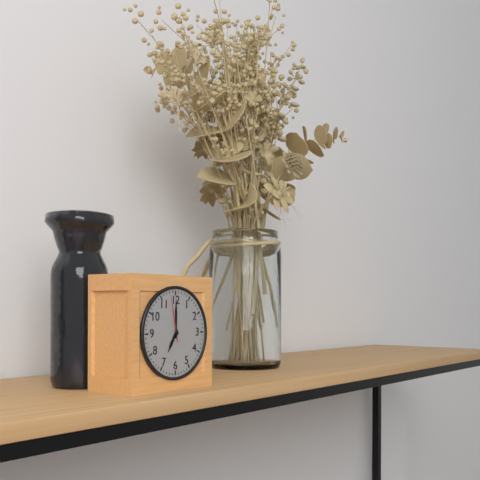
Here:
7,00
